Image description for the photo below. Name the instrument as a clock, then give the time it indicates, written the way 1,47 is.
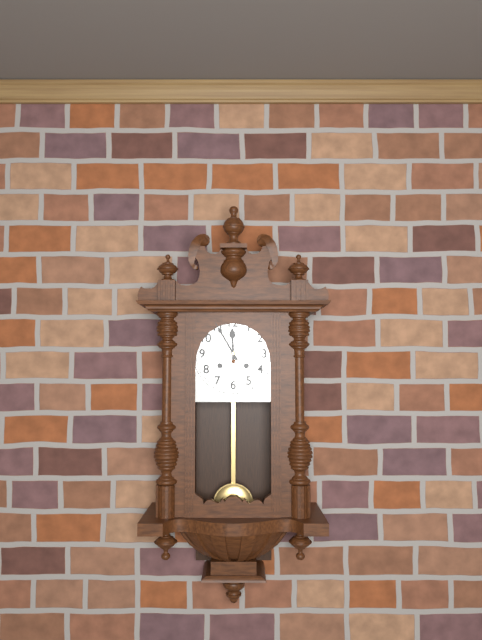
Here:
11,55
